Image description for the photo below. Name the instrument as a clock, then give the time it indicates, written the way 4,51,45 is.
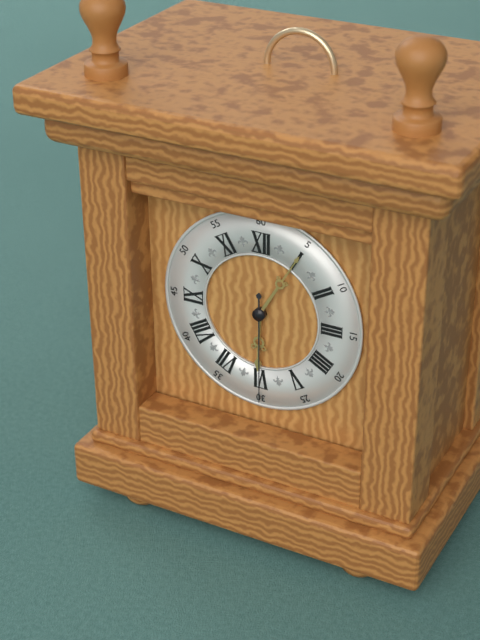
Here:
6,05,30
